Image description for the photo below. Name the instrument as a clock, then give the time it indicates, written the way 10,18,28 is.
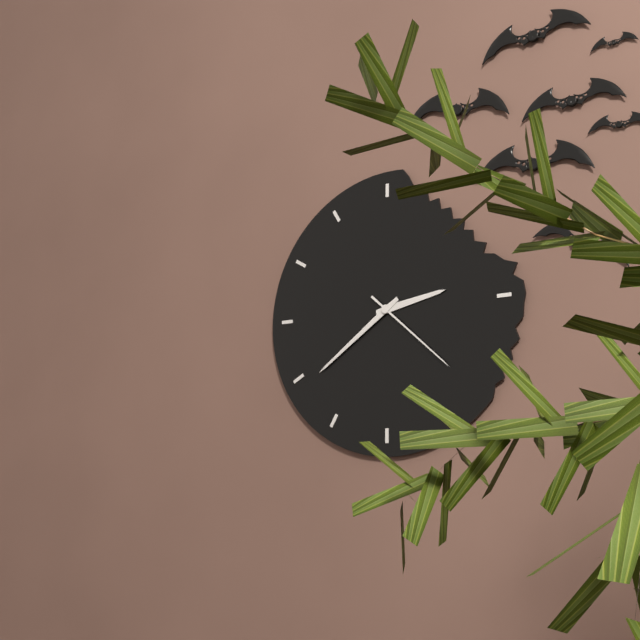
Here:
2,39,22
